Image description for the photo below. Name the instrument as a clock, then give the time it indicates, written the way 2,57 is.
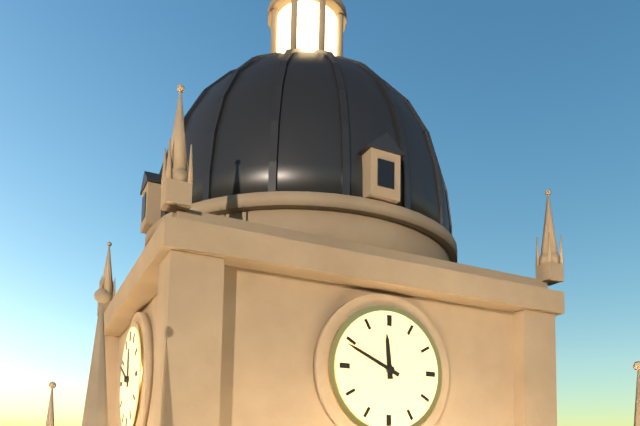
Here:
11,49
